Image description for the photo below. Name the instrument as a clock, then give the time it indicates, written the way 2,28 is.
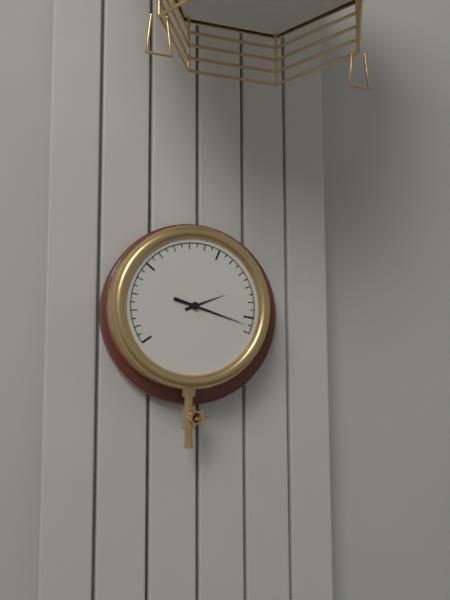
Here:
2,18
